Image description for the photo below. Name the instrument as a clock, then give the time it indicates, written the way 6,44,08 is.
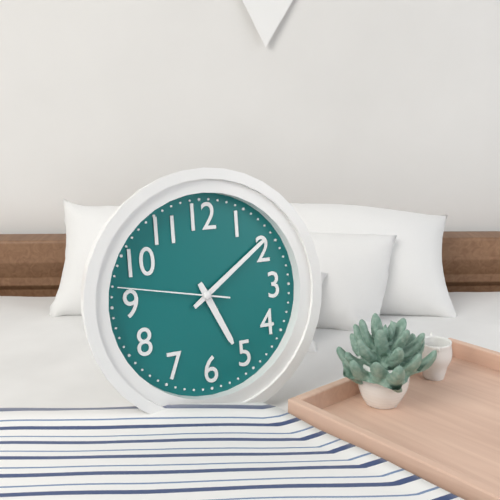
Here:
5,09,47
